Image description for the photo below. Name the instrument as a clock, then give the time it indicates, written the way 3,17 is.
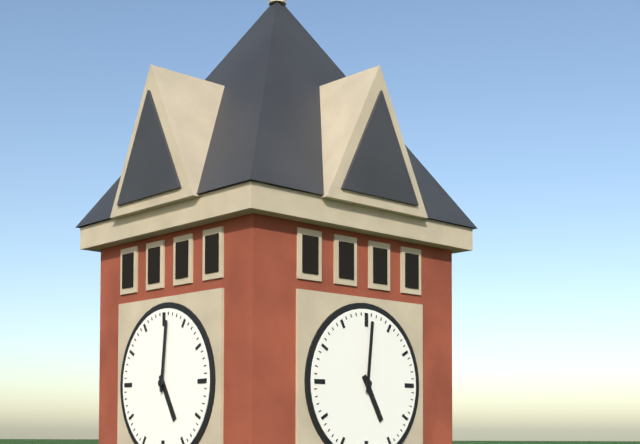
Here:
5,01
